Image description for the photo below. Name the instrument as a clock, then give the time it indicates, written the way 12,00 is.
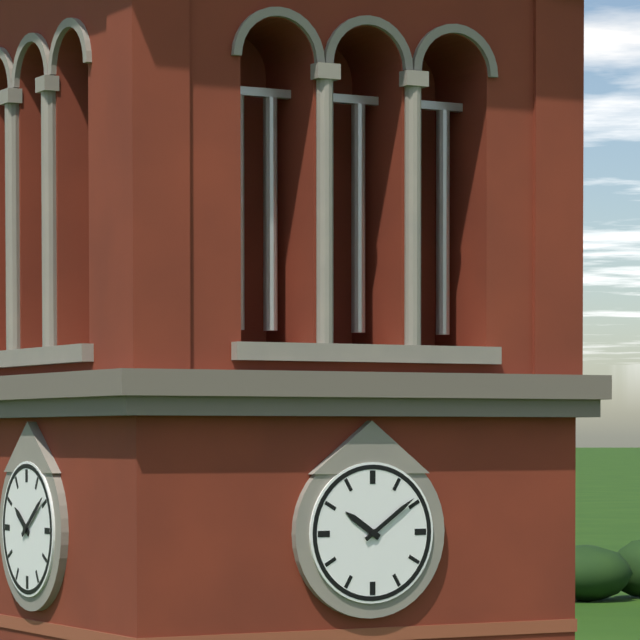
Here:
10,09
